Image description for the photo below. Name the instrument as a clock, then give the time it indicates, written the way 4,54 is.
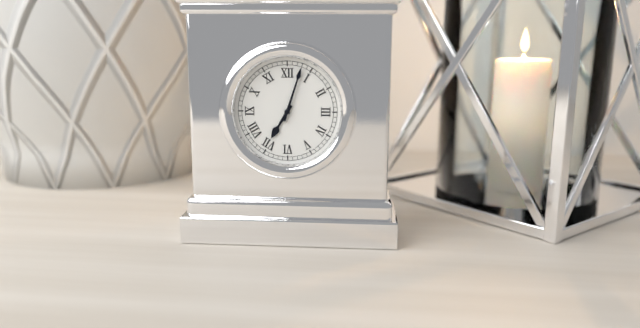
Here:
7,03
